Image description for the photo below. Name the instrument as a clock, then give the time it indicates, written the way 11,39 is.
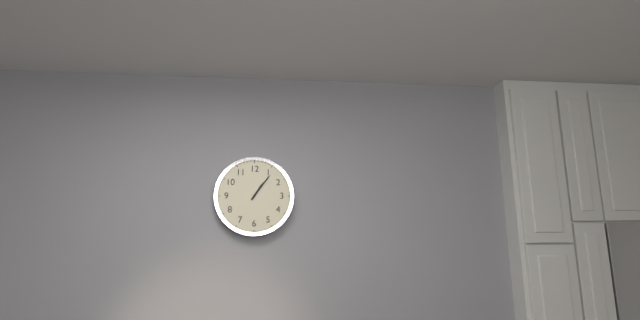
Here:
1,06
